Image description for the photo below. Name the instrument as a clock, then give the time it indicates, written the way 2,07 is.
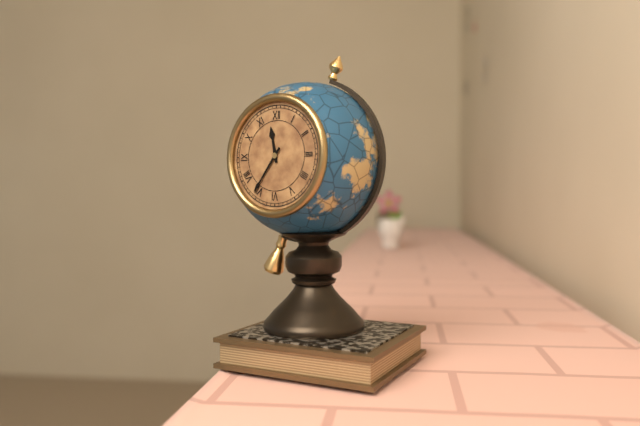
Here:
11,36
